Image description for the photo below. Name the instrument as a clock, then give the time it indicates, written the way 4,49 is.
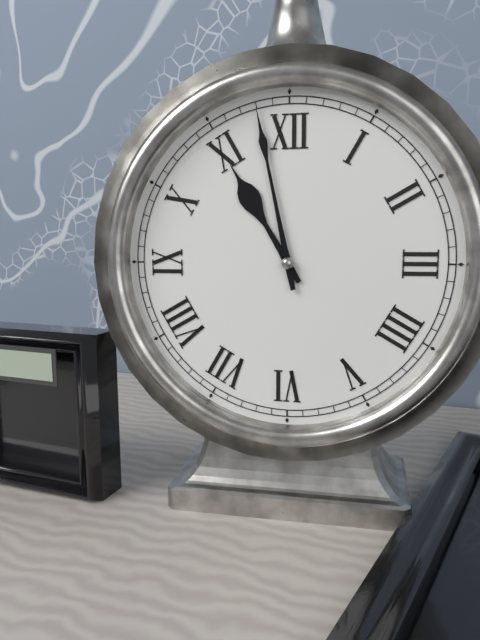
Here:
10,58
